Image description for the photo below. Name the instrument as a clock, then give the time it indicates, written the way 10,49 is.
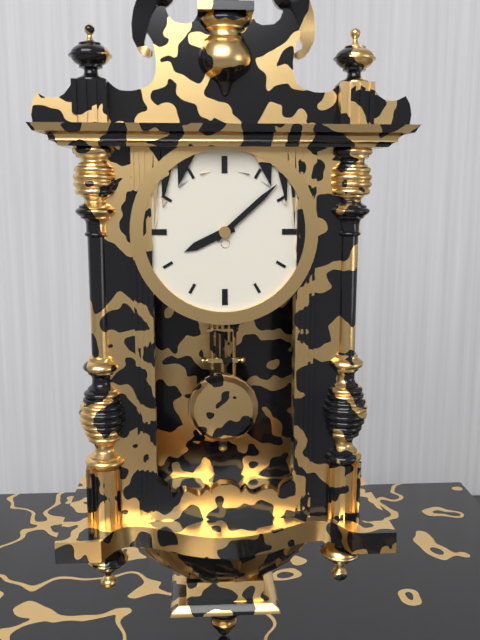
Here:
8,08
